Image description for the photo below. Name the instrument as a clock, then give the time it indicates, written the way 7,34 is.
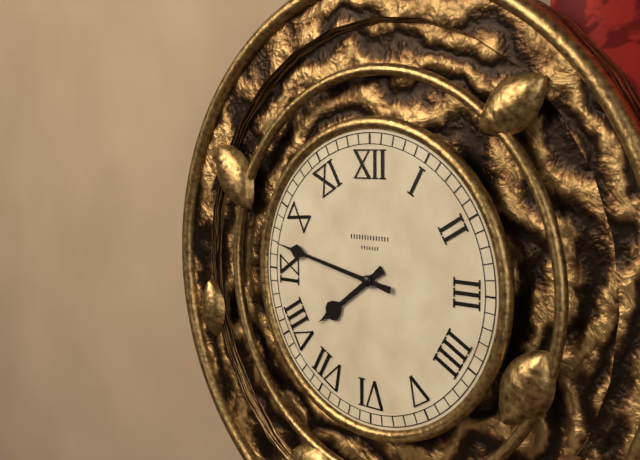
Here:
7,47
